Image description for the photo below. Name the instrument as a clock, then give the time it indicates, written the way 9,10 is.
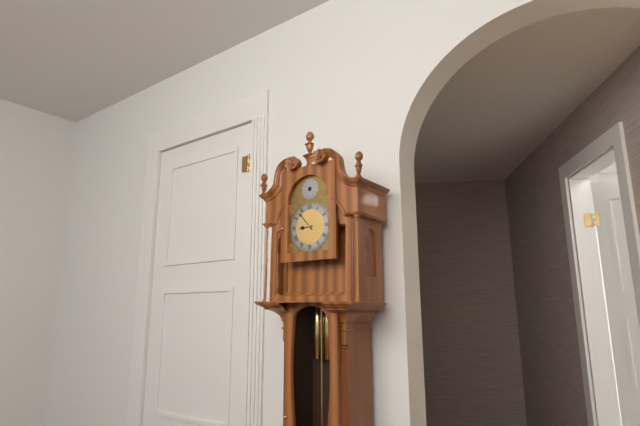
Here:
8,53
